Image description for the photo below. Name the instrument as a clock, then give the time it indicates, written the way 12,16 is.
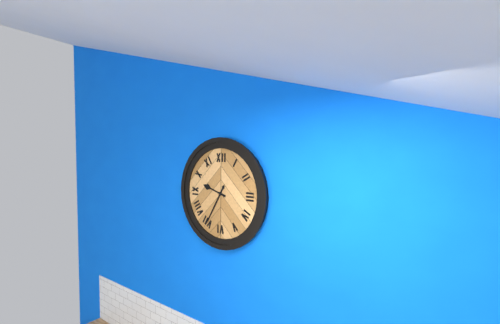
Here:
9,35
